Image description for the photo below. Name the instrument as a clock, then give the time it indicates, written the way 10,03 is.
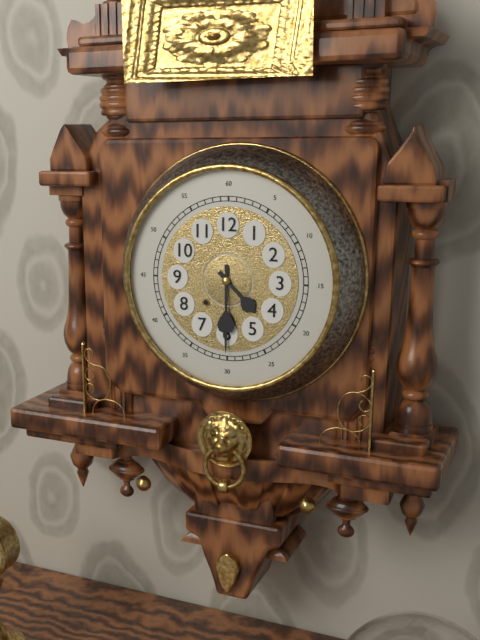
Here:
4,30
